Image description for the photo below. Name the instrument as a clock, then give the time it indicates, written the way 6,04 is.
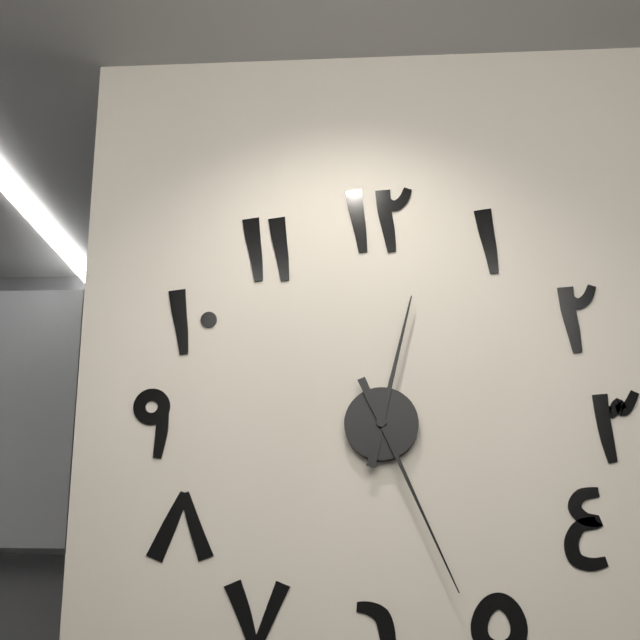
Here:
12,26
